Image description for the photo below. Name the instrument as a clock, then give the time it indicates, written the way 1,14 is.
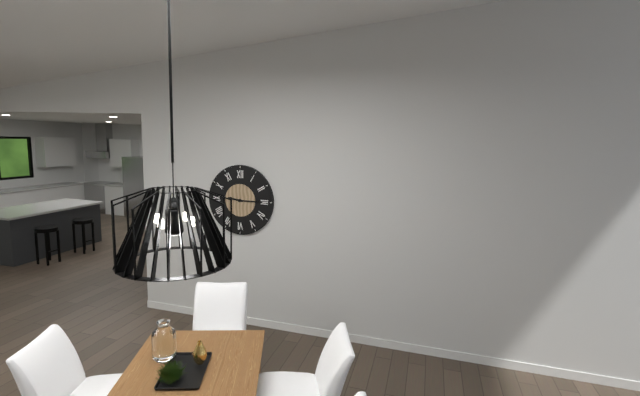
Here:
9,15
